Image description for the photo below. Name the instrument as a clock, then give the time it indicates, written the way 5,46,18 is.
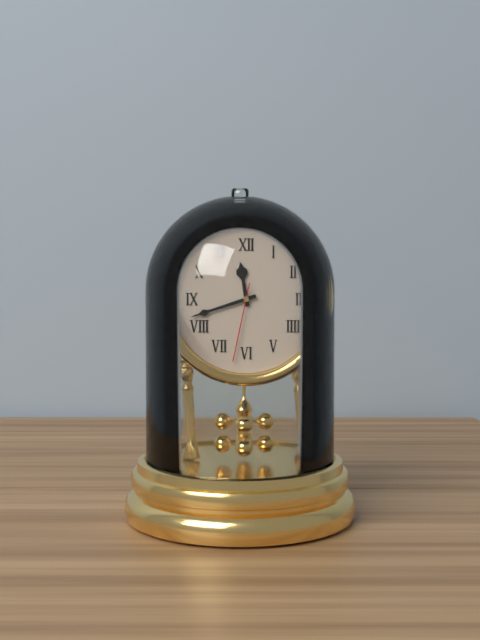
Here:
11,42,32
